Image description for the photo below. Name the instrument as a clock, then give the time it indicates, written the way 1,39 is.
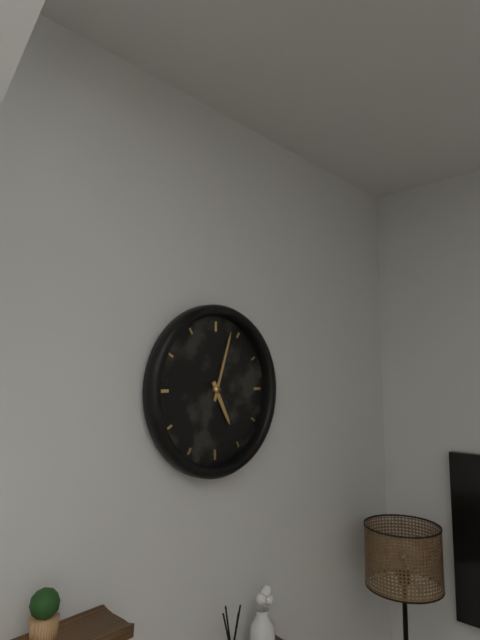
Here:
5,03
